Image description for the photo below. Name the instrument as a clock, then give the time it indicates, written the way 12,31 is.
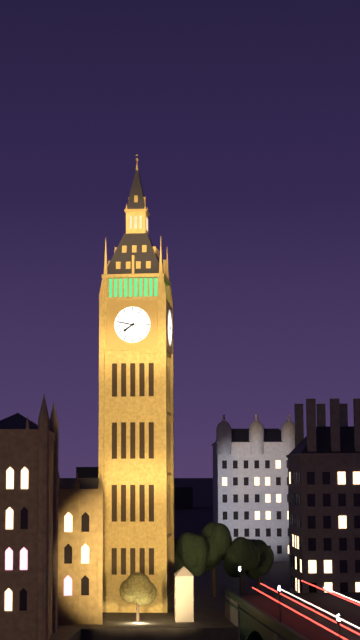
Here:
7,47
